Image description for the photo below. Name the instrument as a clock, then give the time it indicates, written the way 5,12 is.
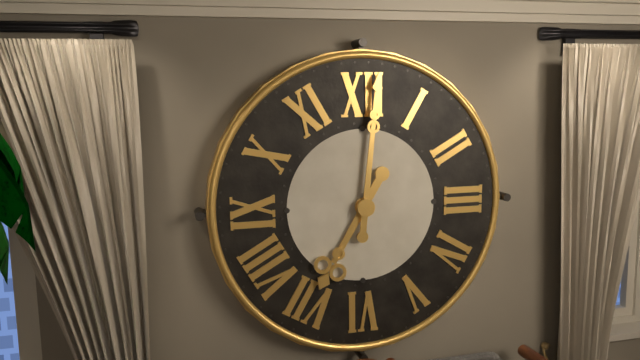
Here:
7,01
